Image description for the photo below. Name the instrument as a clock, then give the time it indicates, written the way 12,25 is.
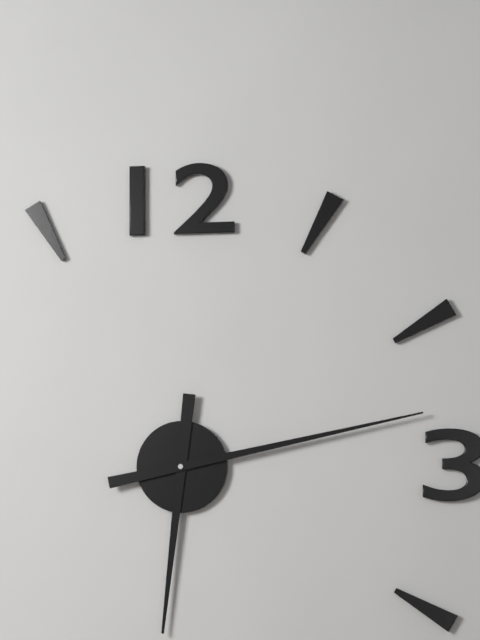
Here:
6,13
